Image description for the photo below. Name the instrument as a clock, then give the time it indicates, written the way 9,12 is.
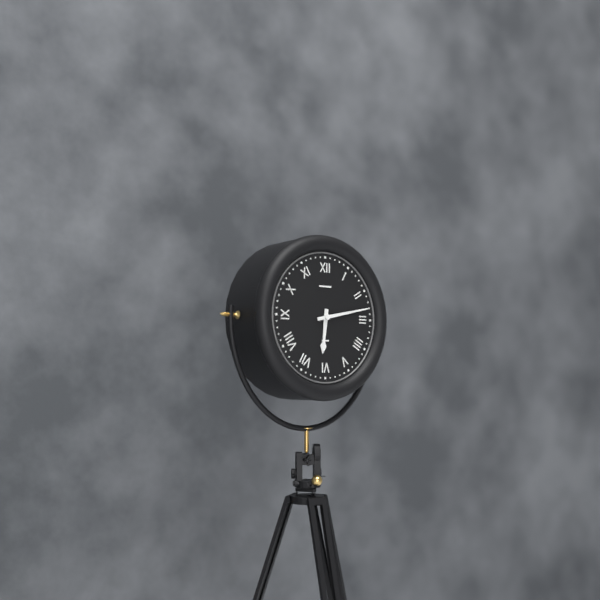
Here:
6,13
